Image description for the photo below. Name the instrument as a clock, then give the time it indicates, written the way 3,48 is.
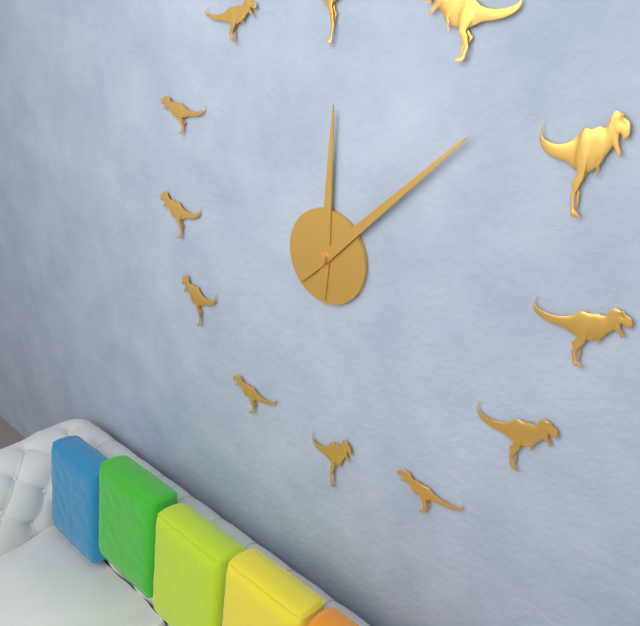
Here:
12,08
